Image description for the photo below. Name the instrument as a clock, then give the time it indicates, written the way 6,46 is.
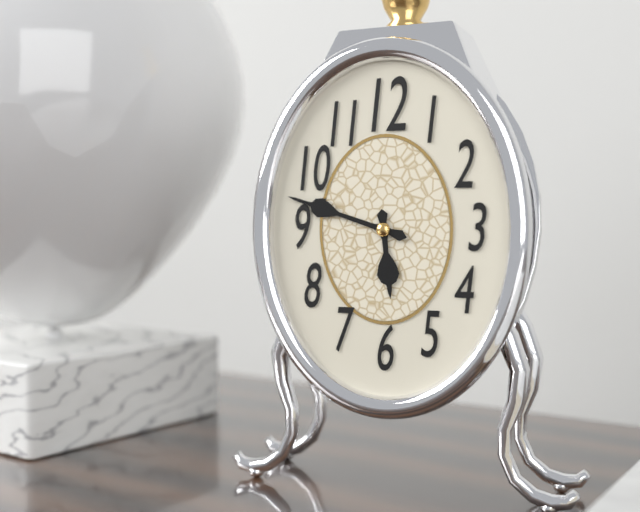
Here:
5,48
